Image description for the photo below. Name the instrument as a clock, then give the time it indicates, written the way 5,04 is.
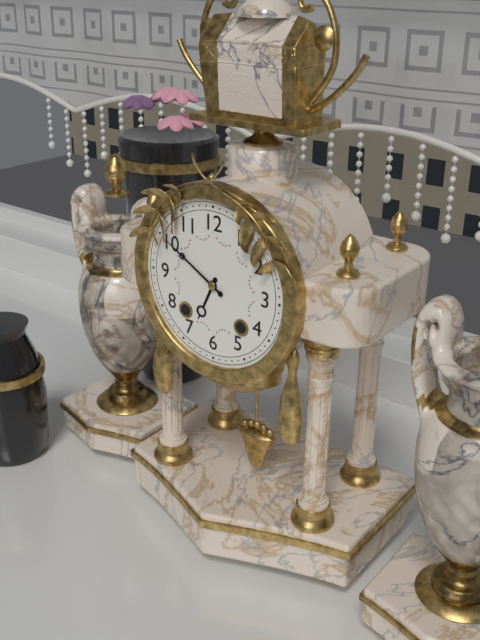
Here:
6,50
